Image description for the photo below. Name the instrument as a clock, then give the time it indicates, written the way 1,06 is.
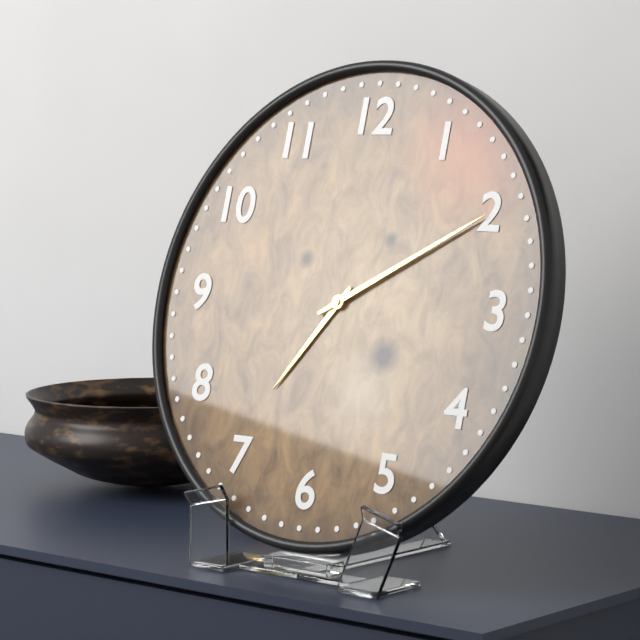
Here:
7,10
